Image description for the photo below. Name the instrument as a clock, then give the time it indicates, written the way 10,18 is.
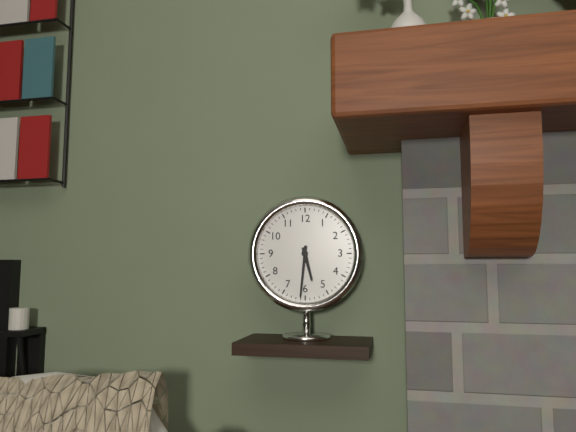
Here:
5,31
